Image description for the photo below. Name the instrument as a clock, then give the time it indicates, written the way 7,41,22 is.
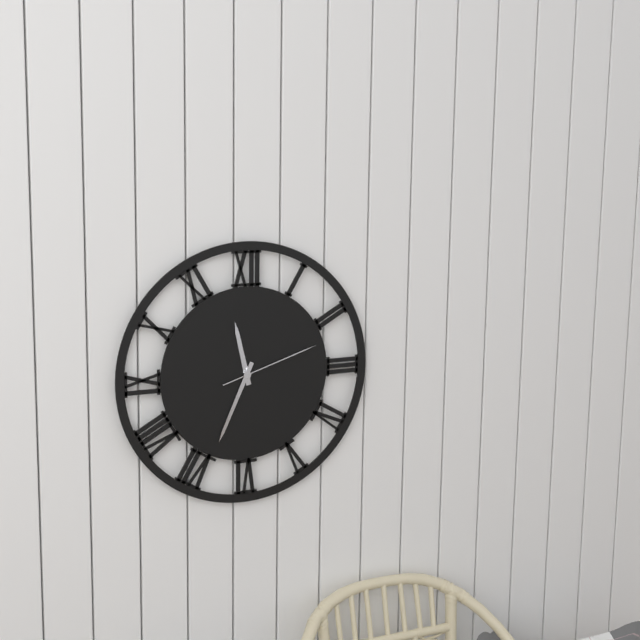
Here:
11,34,12
